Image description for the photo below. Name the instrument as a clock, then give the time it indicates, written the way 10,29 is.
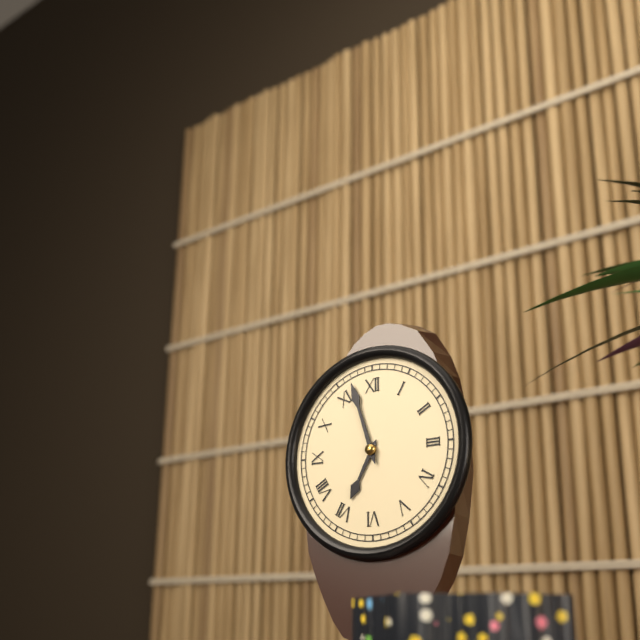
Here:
6,57
